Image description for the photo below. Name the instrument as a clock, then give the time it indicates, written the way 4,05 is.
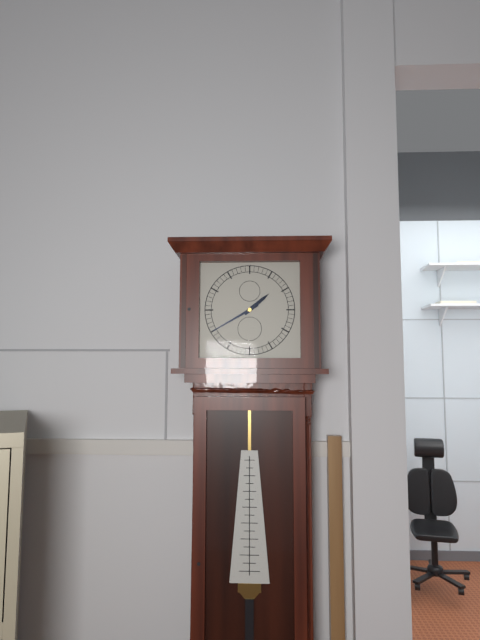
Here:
1,40
